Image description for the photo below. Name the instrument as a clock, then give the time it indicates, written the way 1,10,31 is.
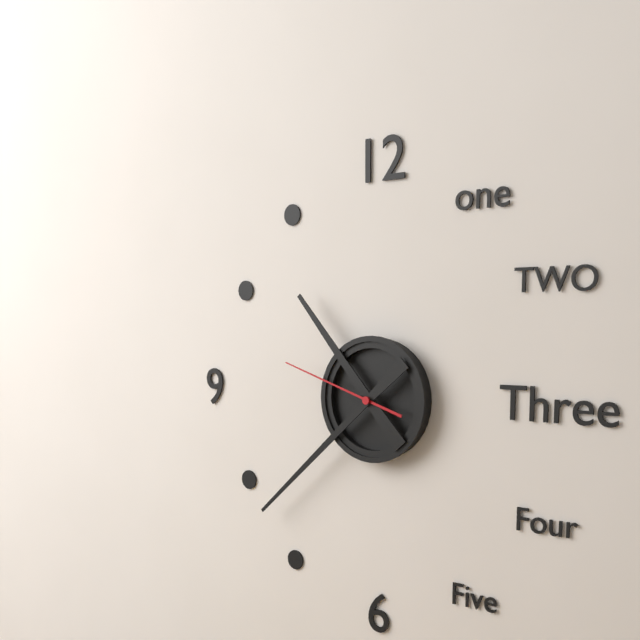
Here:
10,38,48
